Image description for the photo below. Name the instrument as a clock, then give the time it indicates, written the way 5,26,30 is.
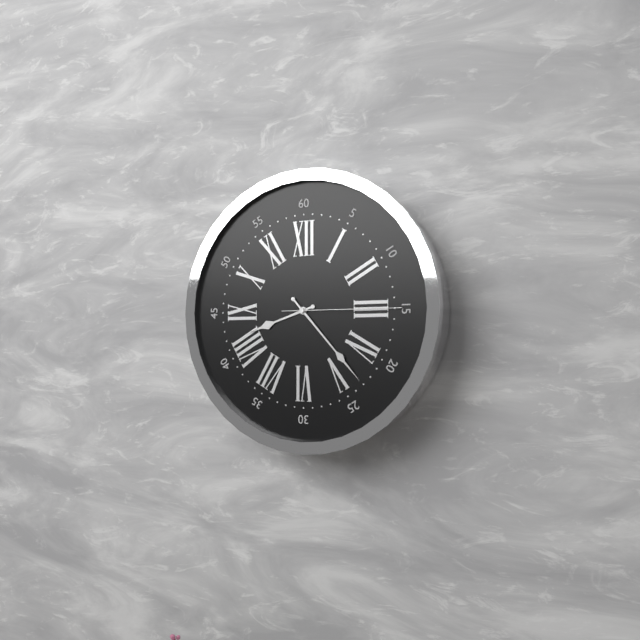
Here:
8,23,15
